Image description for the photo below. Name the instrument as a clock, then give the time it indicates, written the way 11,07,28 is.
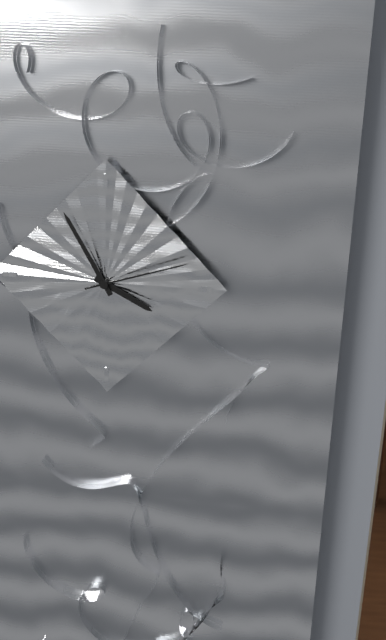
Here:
3,55,12
